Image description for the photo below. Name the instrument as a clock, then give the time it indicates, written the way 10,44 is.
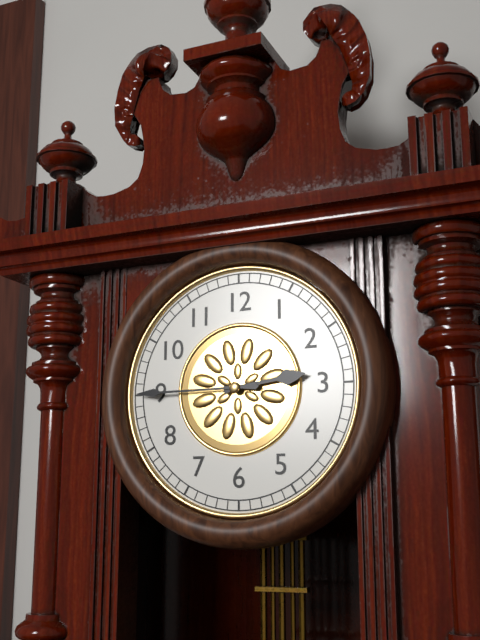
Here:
2,45
